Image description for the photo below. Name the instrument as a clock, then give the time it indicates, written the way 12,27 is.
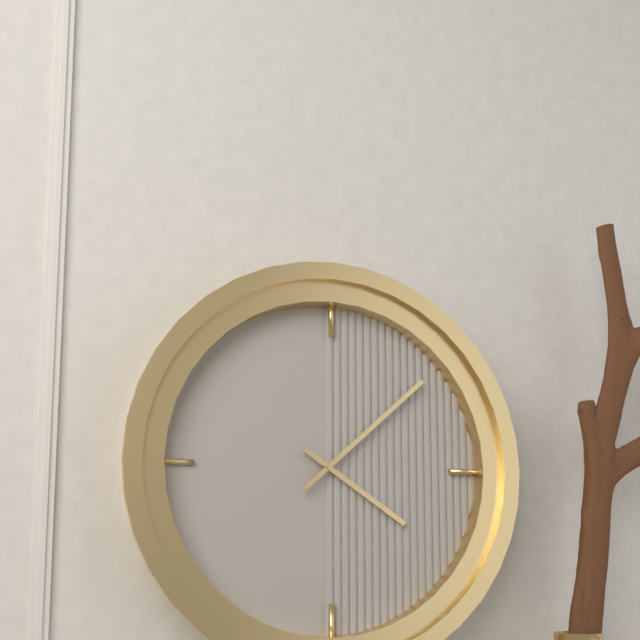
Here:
4,08
